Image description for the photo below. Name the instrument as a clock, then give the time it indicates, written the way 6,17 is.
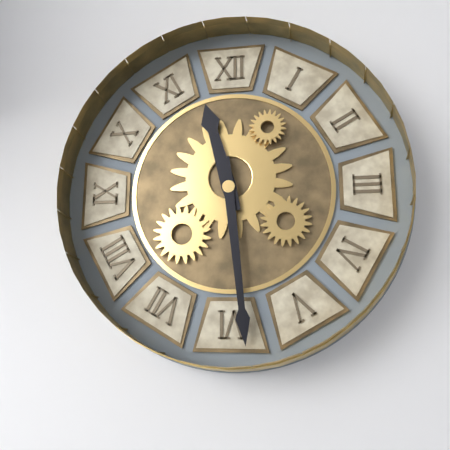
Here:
11,29
